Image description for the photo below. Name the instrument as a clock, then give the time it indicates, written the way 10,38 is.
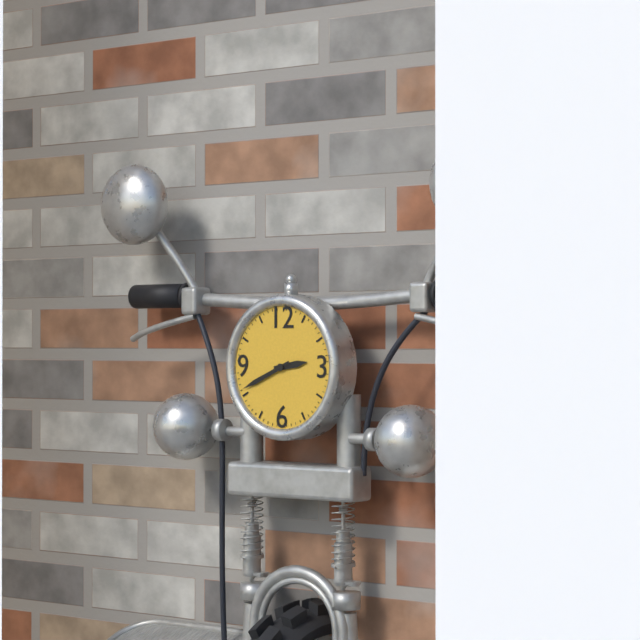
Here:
2,41
